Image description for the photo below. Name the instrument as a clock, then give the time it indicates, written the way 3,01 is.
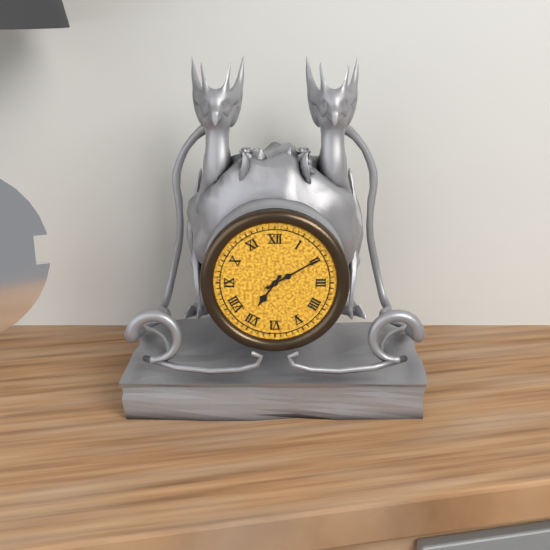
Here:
7,10
